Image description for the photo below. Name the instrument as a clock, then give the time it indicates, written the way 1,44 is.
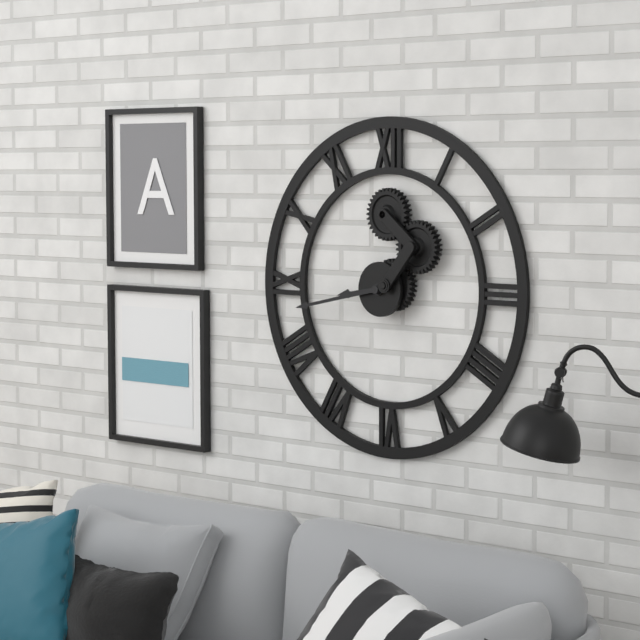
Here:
8,43
